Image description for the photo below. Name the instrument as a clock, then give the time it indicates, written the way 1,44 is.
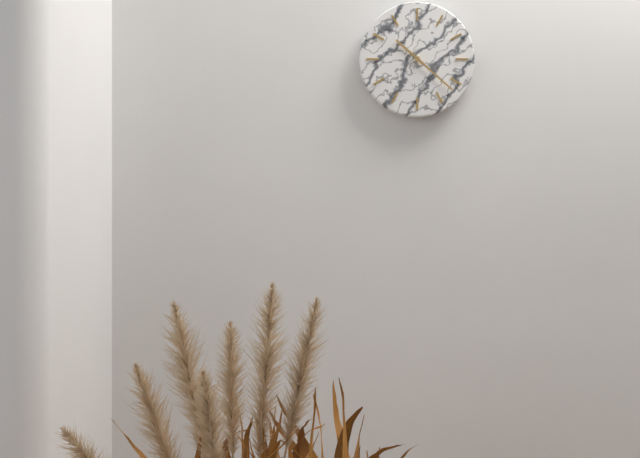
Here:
10,22
